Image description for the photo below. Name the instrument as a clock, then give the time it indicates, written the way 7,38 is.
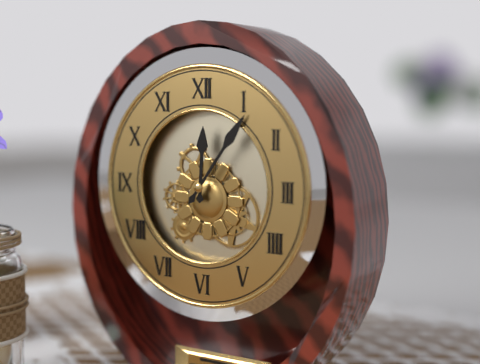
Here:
12,06
